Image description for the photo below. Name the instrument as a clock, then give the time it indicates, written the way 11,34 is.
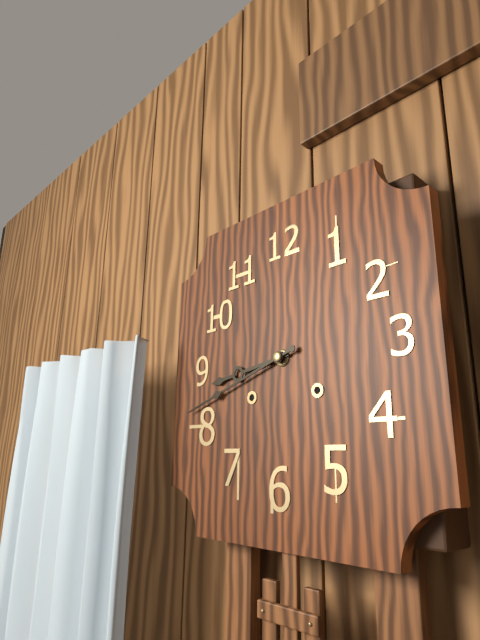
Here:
8,42
